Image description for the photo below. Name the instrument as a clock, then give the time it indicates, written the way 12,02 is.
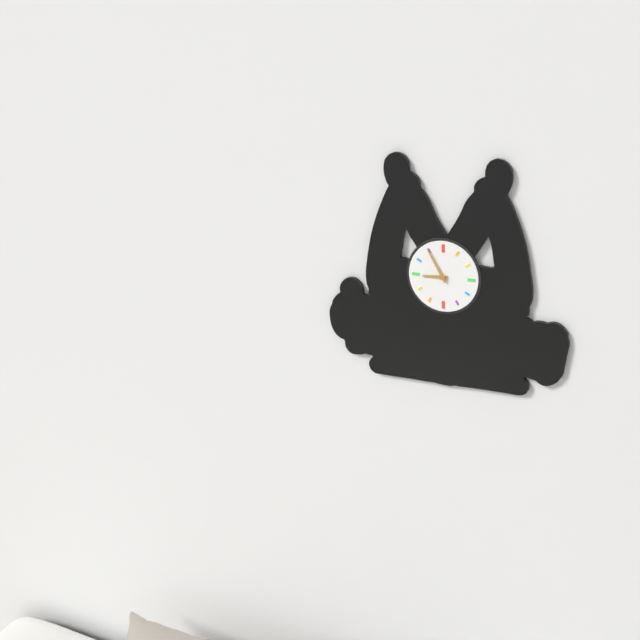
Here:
8,55
